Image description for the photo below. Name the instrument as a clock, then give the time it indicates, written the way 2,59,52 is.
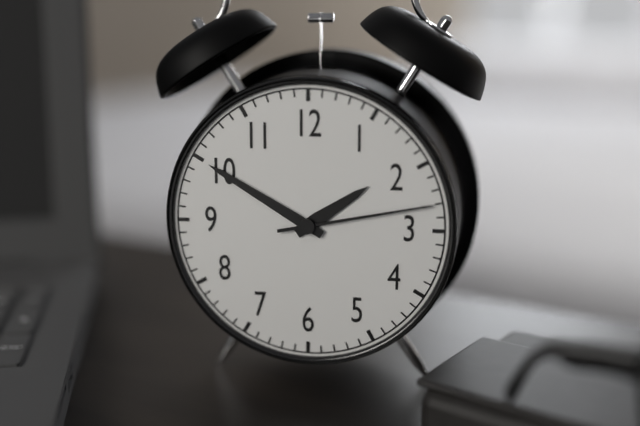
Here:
1,50,13
